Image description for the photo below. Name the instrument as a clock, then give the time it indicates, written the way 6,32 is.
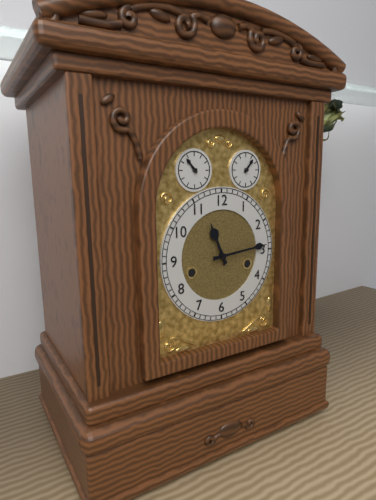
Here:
11,14
